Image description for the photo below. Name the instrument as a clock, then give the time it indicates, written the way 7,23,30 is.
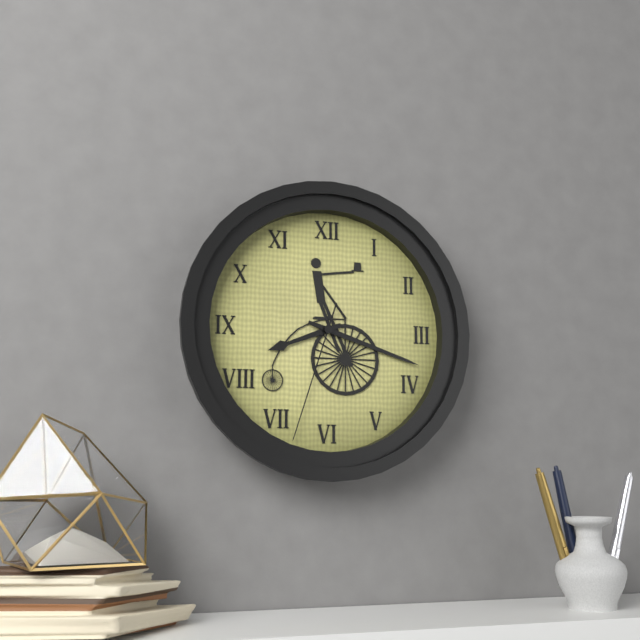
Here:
8,18,33
